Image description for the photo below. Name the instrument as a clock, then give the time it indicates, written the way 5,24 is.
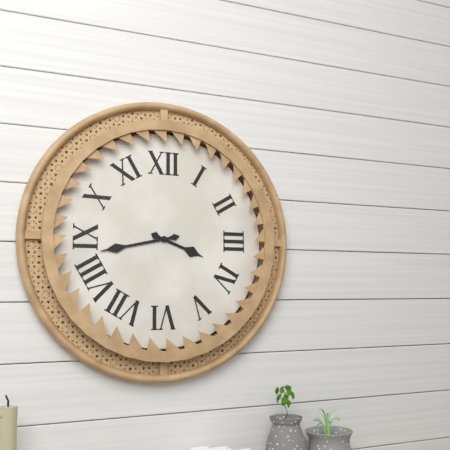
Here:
3,43
